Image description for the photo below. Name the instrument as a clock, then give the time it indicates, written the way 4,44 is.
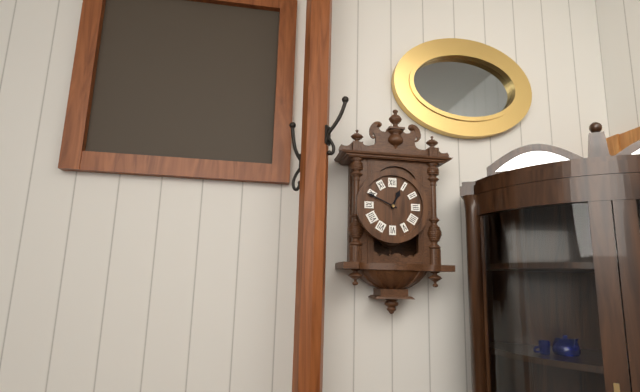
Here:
12,49
